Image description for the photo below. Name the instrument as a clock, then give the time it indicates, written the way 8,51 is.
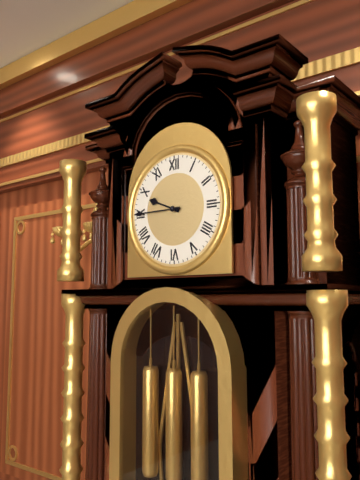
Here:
9,45
